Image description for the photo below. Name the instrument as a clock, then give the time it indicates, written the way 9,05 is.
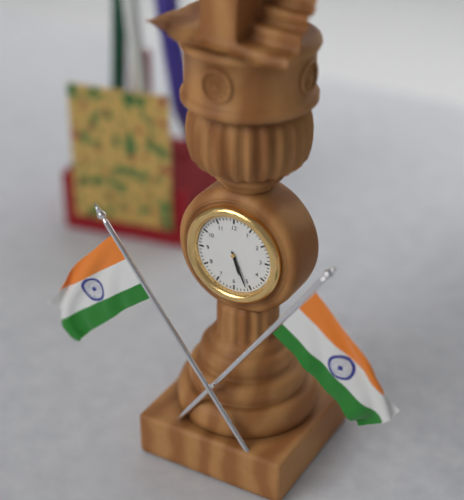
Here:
5,26
